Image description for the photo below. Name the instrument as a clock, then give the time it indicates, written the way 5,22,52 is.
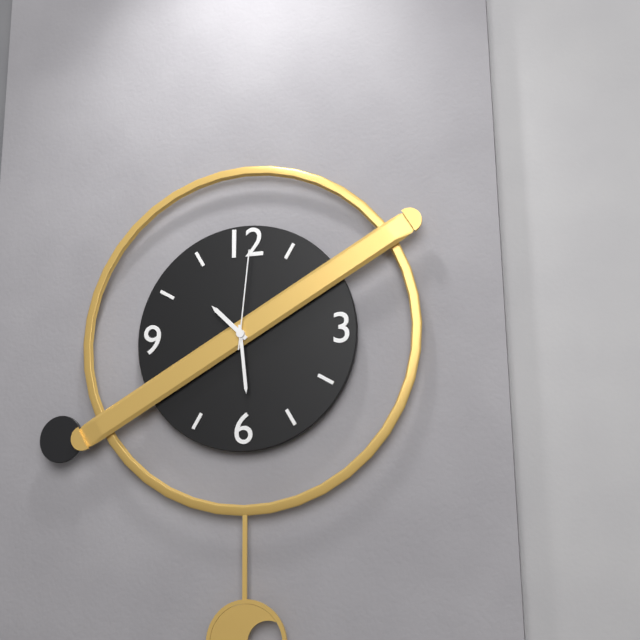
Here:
10,29,01
